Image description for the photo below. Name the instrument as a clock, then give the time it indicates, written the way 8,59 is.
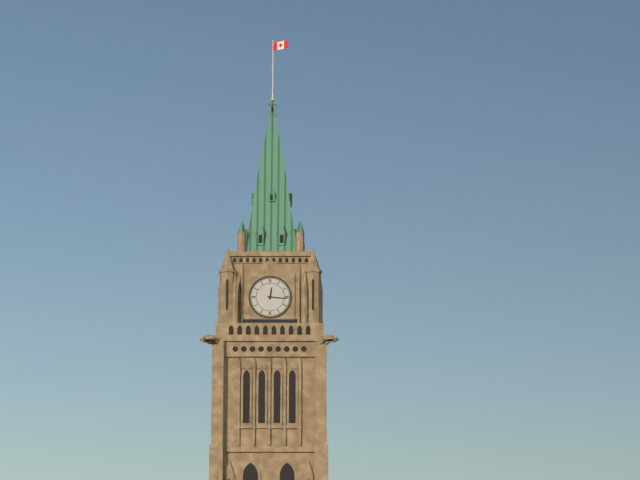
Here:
12,16
